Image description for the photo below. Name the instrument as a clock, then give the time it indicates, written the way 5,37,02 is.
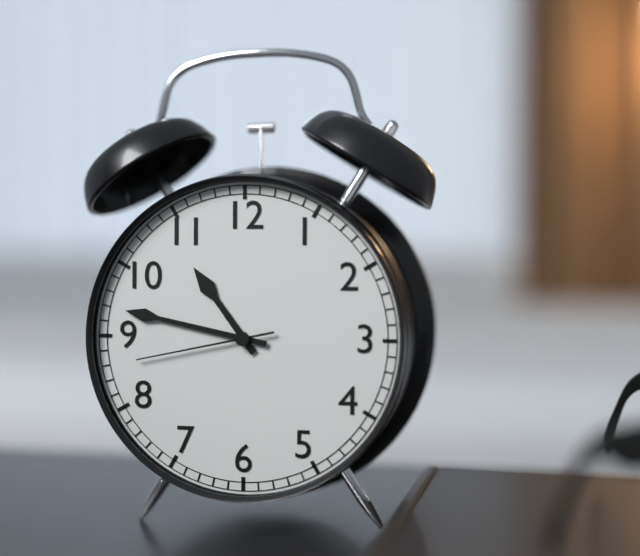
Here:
10,47,43
